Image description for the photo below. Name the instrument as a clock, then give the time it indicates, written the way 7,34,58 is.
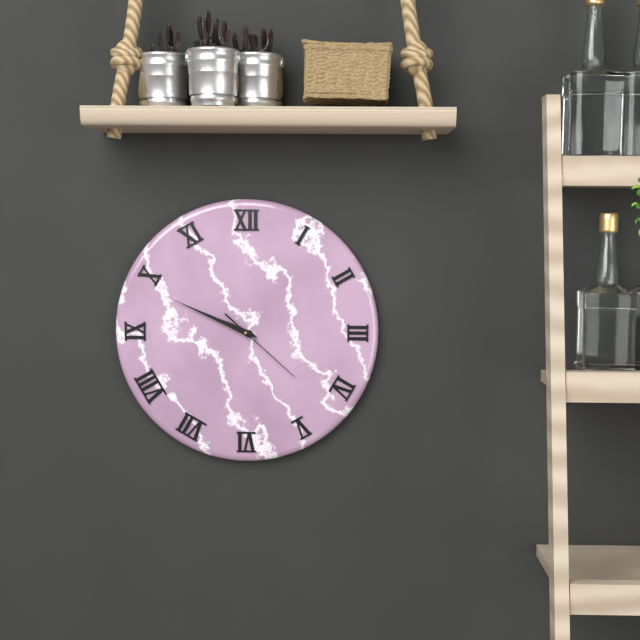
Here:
9,49,22
